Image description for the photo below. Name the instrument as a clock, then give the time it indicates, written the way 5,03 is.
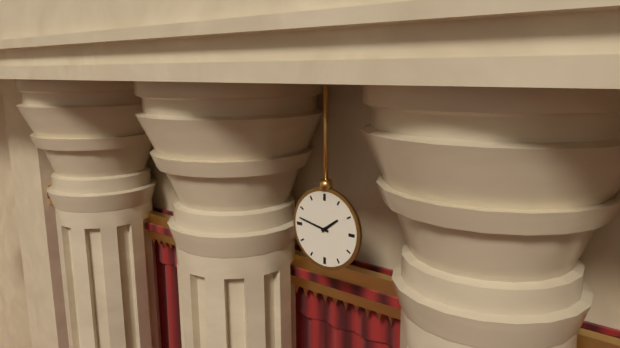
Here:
1,47
